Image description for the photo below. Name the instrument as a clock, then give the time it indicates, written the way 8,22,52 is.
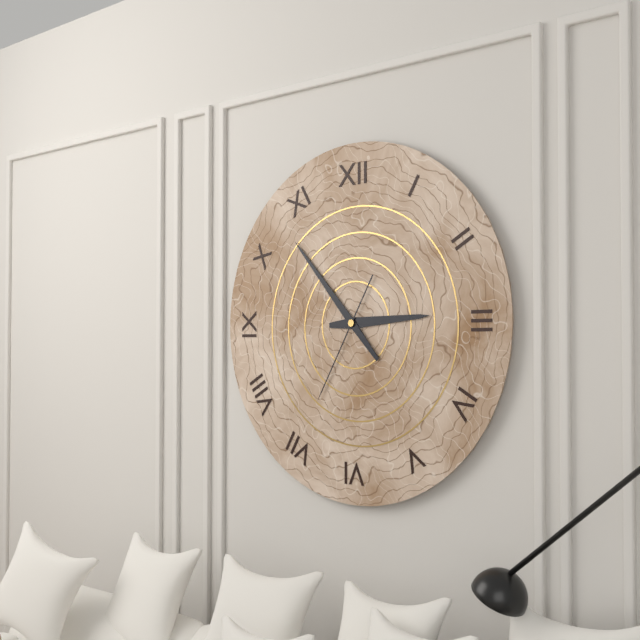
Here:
2,53,35
